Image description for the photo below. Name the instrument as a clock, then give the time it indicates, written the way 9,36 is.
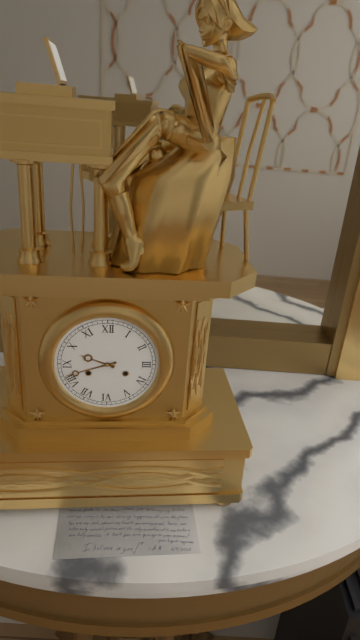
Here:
9,42
